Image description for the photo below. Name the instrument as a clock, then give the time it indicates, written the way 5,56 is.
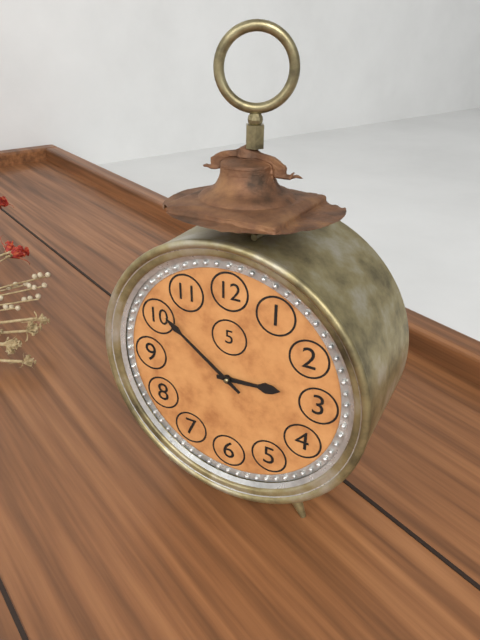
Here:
2,51
